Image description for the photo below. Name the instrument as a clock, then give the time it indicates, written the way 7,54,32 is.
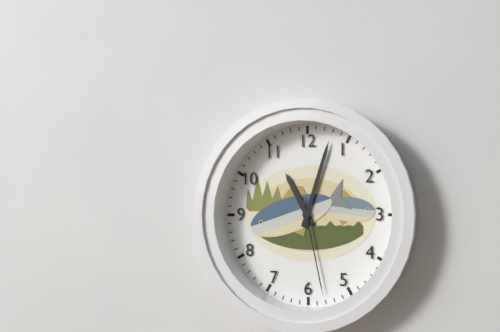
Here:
11,03,28
